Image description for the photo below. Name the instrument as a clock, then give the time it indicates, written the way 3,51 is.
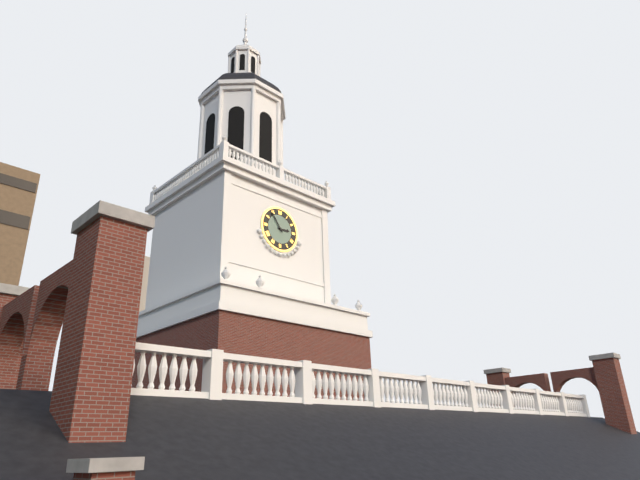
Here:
2,54
